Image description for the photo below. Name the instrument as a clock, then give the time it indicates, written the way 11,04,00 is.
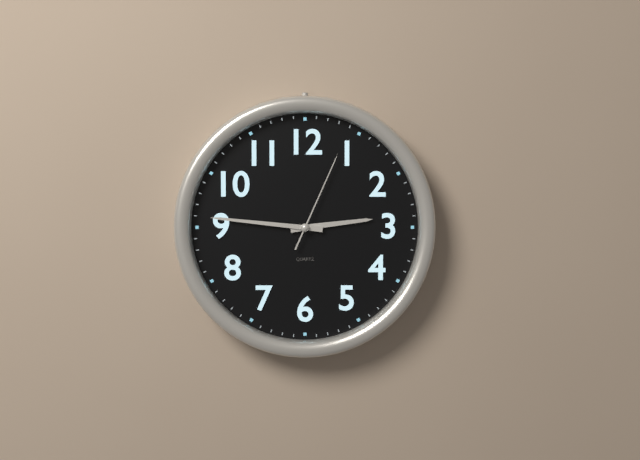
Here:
2,46,04
